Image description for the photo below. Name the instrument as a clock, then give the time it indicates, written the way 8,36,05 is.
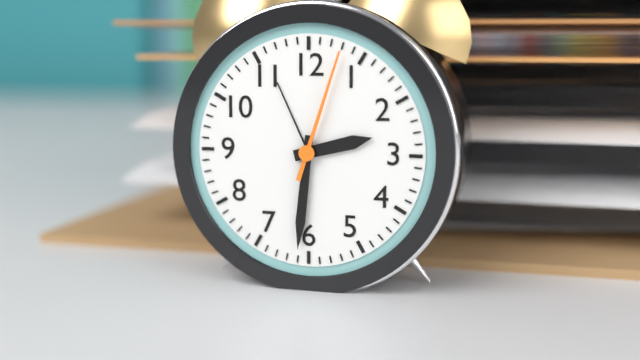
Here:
2,31,03
